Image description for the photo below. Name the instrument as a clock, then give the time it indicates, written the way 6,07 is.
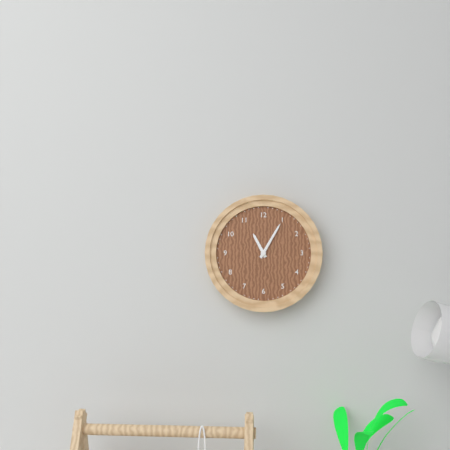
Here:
11,05
